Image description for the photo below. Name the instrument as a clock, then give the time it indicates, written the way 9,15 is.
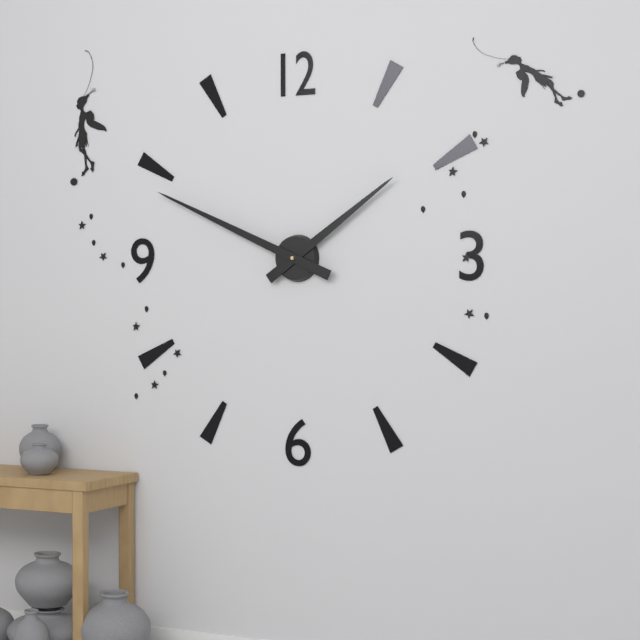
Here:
1,49
